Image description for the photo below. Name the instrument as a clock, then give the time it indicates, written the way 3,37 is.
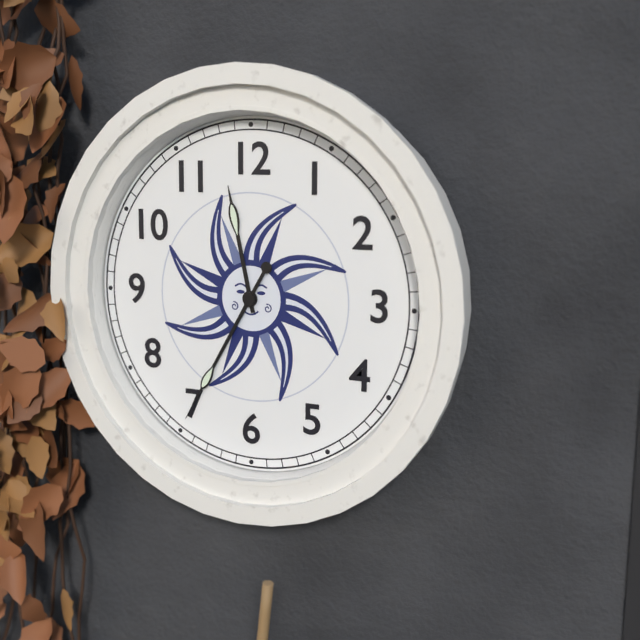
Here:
11,35
